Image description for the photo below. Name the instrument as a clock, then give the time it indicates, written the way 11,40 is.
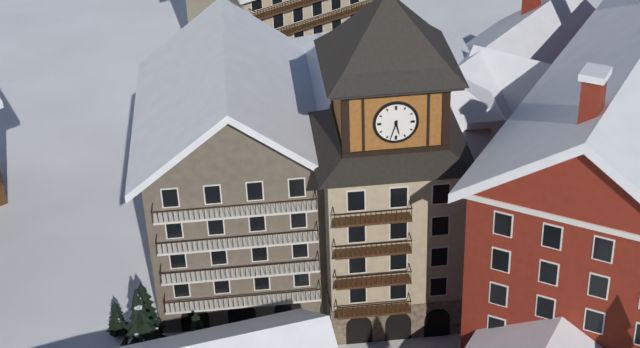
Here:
5,33
